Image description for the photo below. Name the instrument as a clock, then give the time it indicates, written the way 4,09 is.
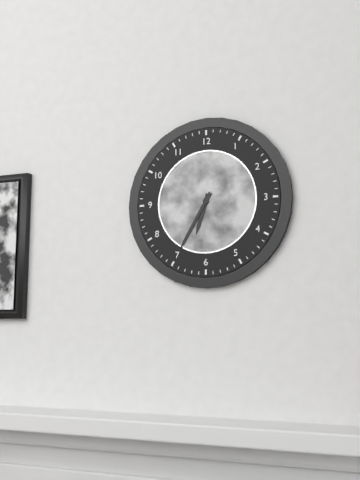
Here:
6,35
